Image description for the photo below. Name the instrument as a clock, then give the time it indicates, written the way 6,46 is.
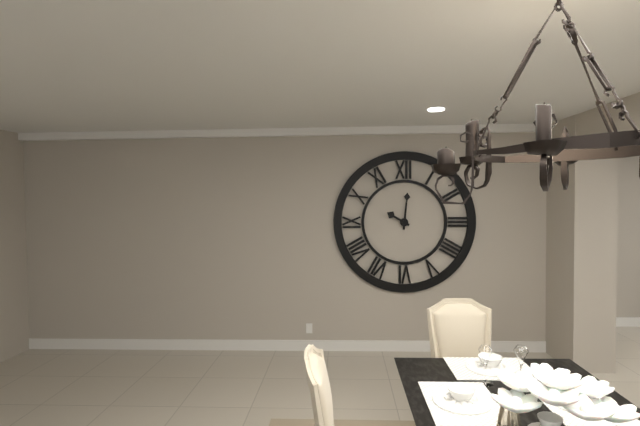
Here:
10,01
